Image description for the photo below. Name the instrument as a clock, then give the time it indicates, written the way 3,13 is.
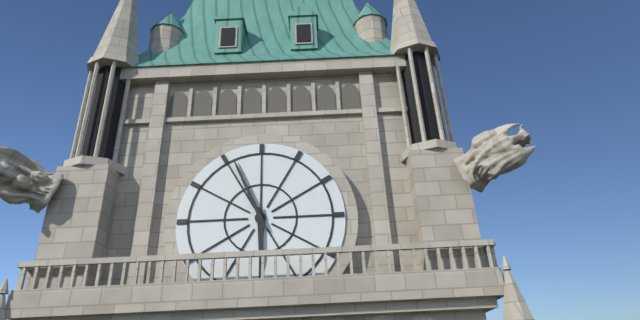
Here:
5,56
